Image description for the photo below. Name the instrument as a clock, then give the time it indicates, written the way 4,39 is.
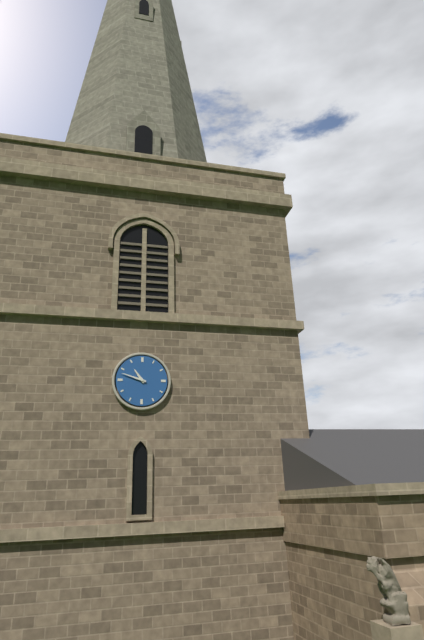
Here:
10,48
